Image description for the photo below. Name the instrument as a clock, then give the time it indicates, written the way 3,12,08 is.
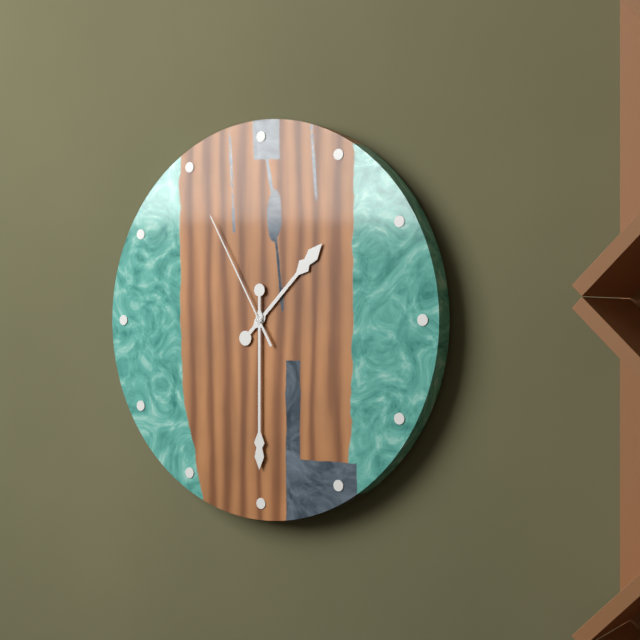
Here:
1,30,55
